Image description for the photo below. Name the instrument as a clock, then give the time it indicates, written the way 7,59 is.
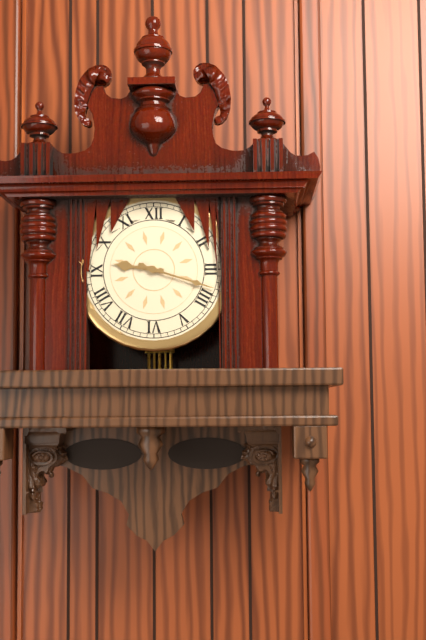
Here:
9,18
